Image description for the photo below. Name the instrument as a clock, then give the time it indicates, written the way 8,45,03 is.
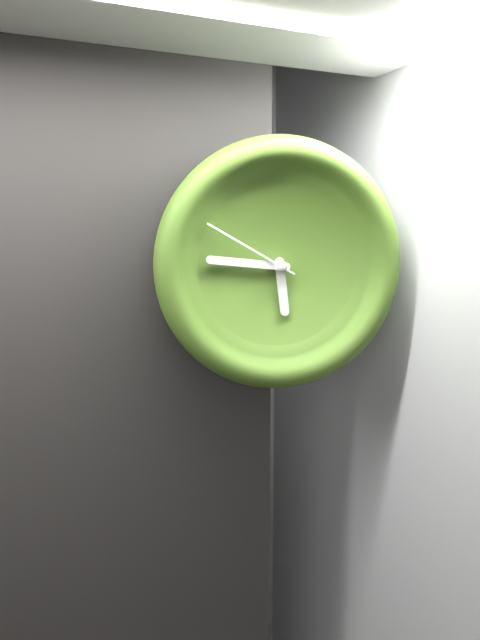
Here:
5,46,50
